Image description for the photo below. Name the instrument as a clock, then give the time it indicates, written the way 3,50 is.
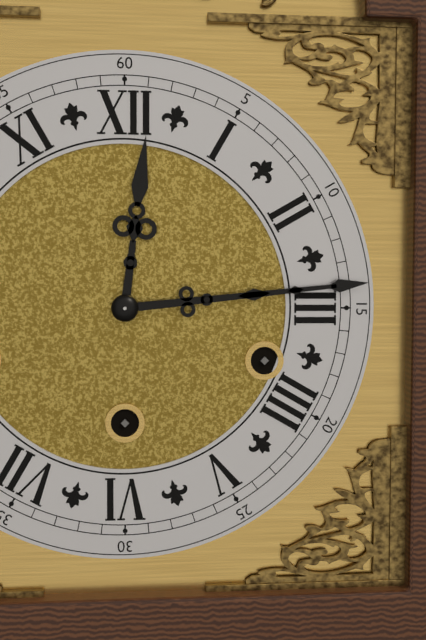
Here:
12,14
